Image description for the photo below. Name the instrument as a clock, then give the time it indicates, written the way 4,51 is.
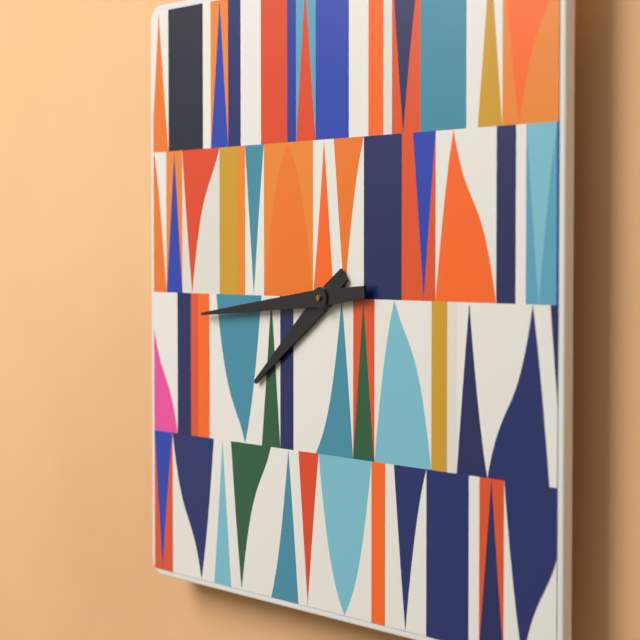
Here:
7,44
